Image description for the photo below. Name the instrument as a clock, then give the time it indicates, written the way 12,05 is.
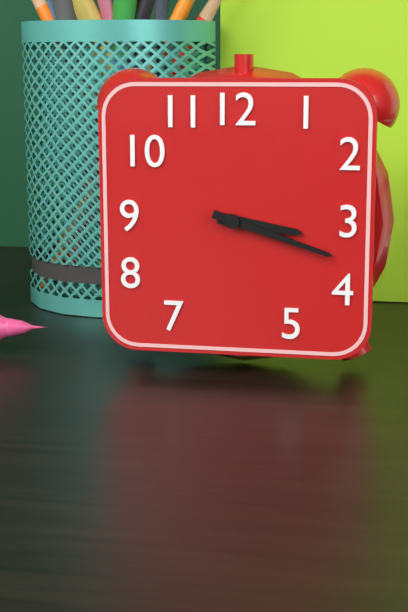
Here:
3,18
